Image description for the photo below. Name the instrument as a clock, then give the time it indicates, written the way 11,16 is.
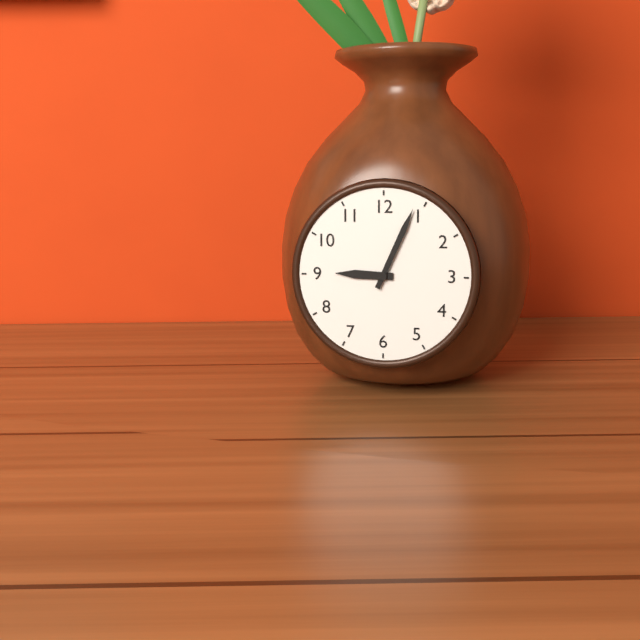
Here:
9,04
